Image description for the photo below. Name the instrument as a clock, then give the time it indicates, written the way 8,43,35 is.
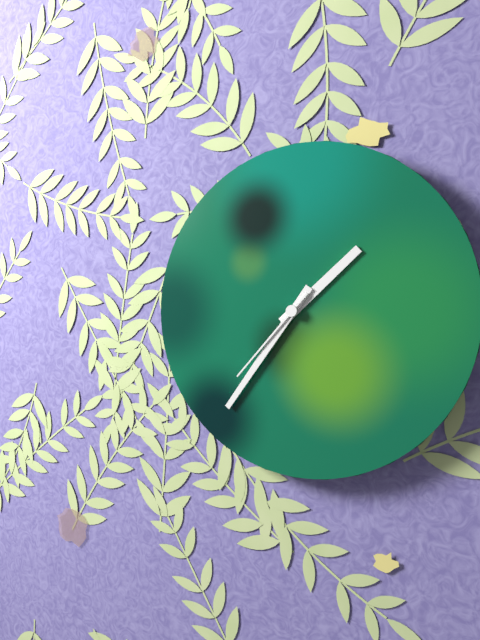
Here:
1,36,37
